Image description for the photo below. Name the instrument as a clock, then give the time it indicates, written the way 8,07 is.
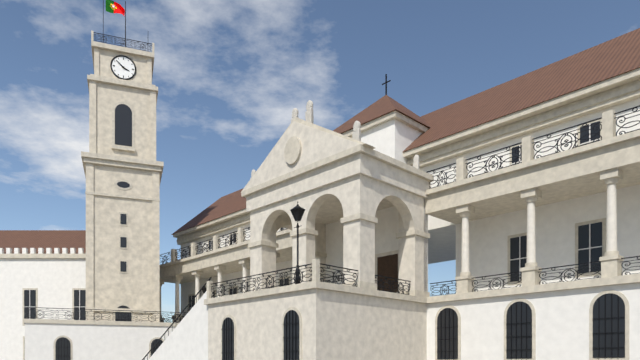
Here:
3,52
